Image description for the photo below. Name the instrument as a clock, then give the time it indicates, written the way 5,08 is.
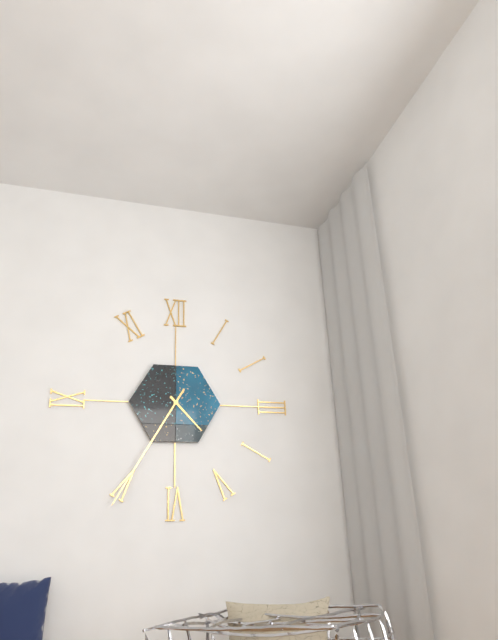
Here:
4,35
